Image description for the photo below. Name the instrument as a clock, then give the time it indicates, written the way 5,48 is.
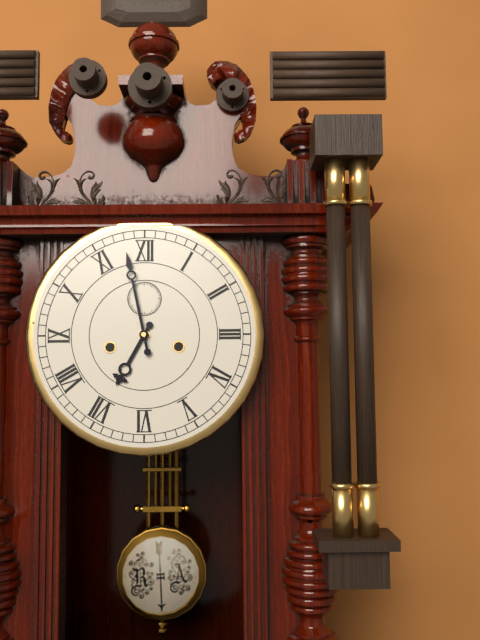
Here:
6,58
